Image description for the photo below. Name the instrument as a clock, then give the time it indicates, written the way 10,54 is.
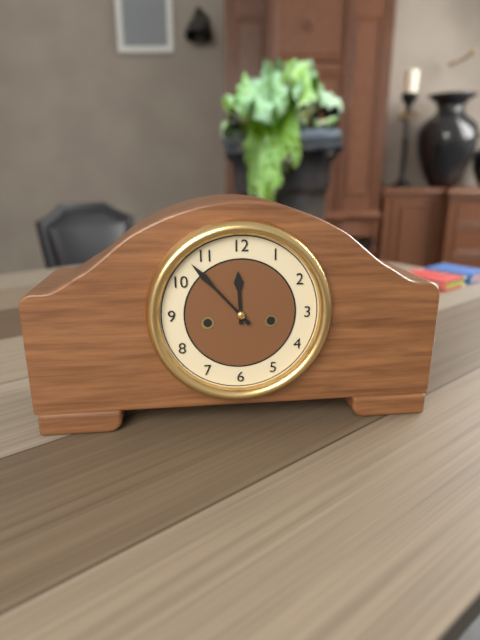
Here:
11,53
